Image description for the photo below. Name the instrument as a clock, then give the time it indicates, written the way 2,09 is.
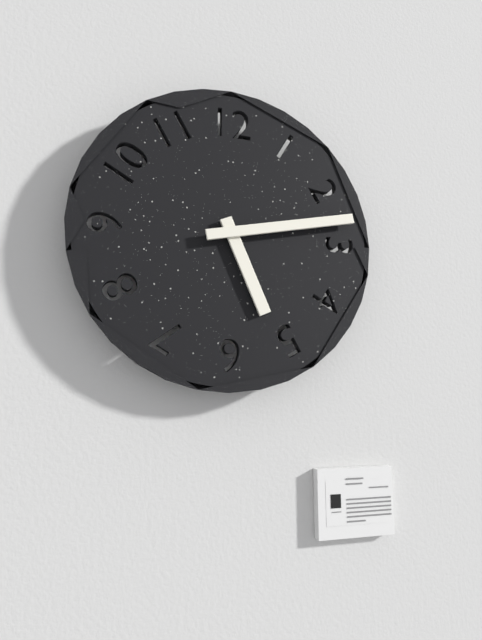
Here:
5,13
